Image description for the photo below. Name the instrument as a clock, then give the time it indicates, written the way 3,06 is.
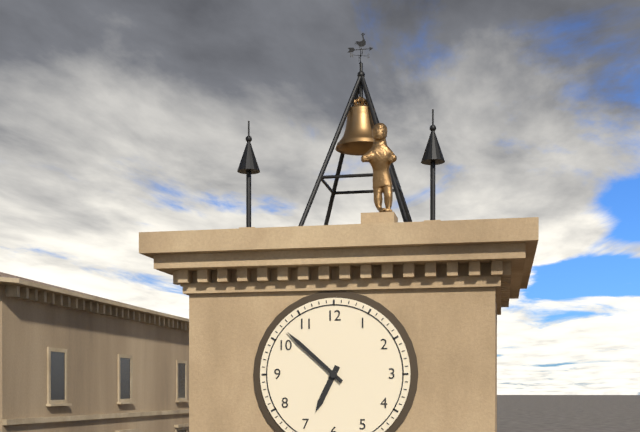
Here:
6,52
